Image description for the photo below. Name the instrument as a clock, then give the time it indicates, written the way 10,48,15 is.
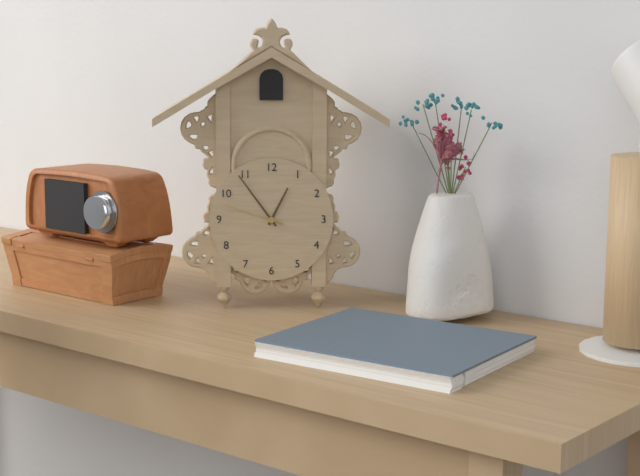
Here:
12,54,48
